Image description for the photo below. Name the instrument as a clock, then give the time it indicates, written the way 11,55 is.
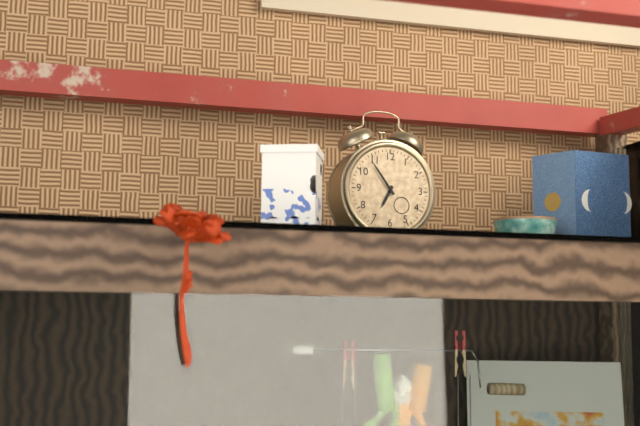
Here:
6,54
